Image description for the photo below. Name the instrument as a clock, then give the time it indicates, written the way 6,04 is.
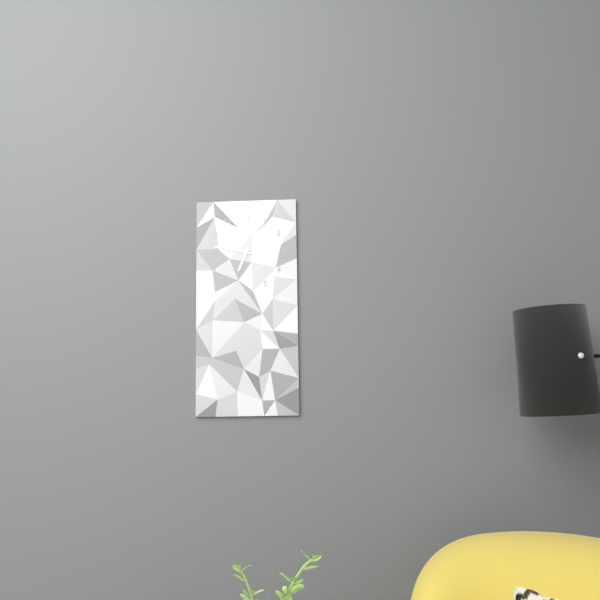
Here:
6,47
